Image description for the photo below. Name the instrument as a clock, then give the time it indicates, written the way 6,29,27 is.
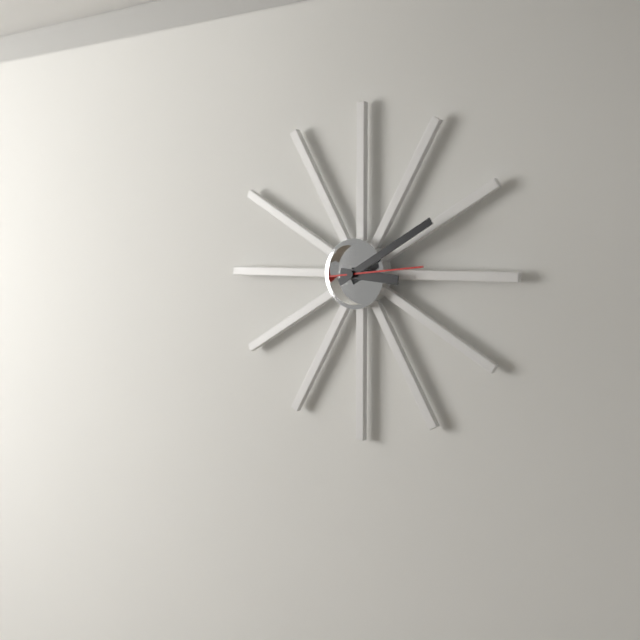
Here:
3,10,14
